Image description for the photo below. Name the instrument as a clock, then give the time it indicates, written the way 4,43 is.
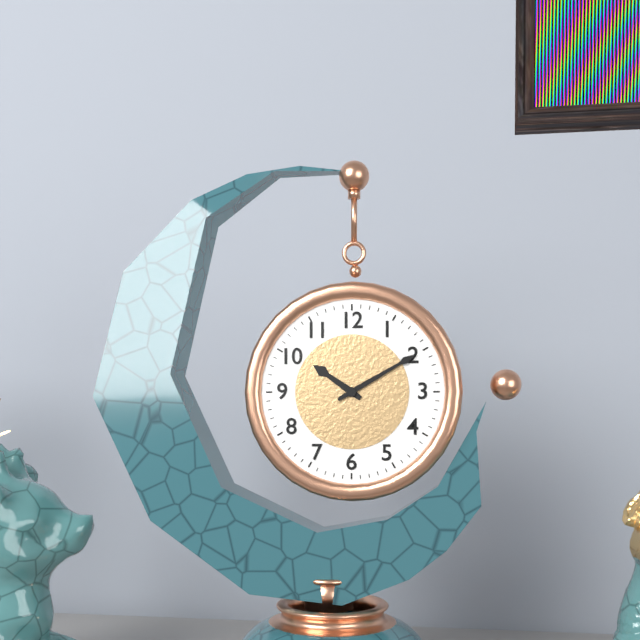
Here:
10,10
